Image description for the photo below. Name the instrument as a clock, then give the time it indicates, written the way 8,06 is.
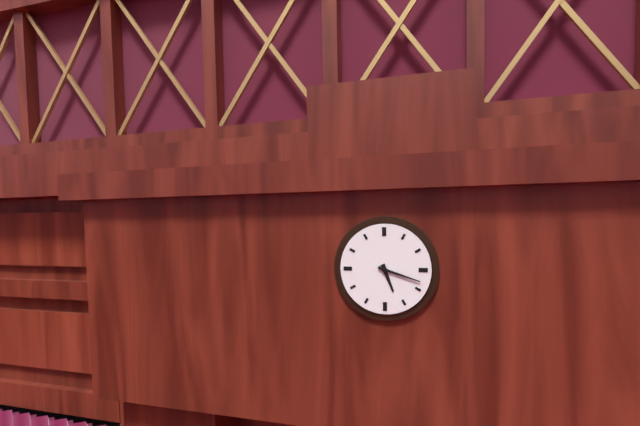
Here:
5,18
